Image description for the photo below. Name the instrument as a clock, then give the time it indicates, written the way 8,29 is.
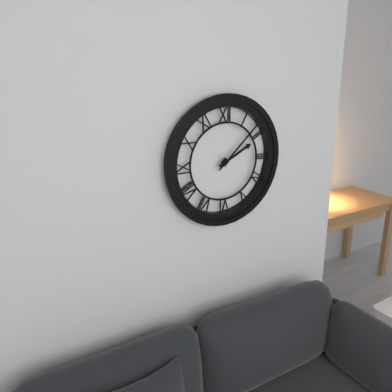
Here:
2,08
